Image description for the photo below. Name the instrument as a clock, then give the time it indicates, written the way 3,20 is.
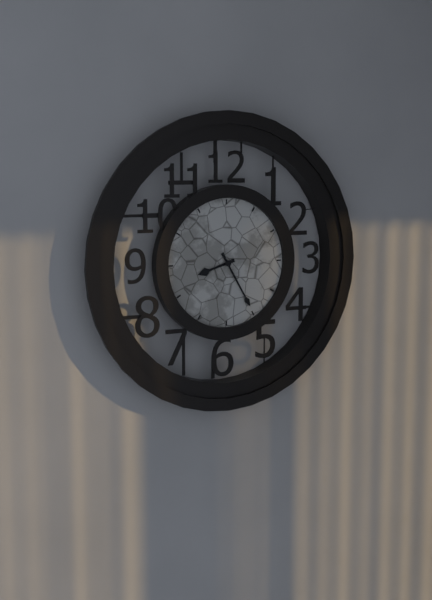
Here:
8,25
